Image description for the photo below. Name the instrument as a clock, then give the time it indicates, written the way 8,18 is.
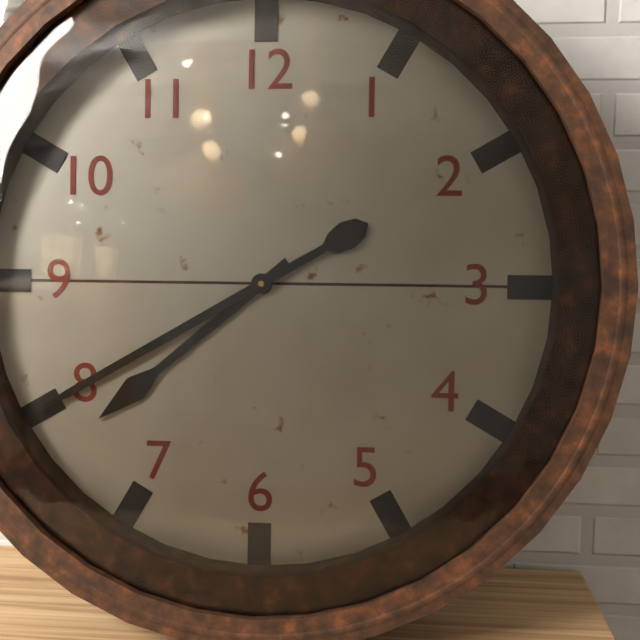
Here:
7,40
